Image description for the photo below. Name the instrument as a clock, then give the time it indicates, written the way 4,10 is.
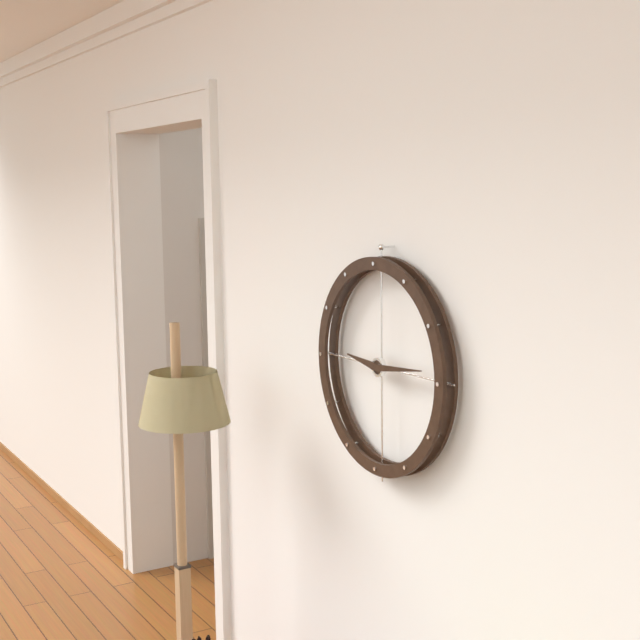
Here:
9,14
